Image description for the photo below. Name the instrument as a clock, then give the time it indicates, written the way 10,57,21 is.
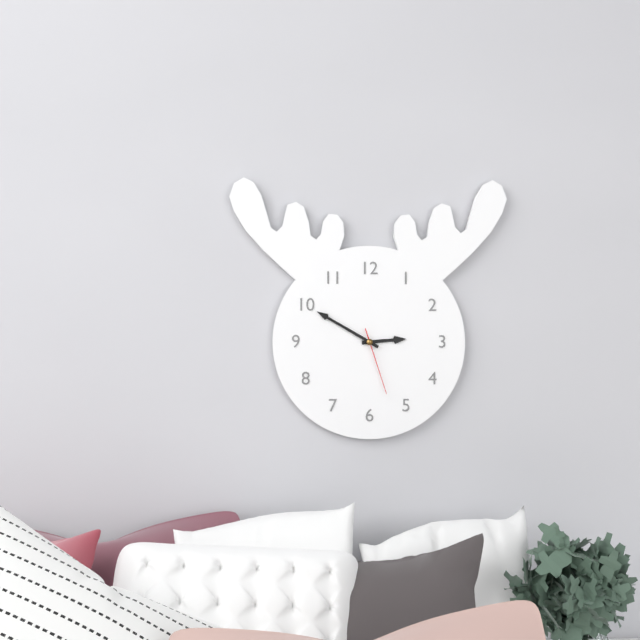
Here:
2,50,27
